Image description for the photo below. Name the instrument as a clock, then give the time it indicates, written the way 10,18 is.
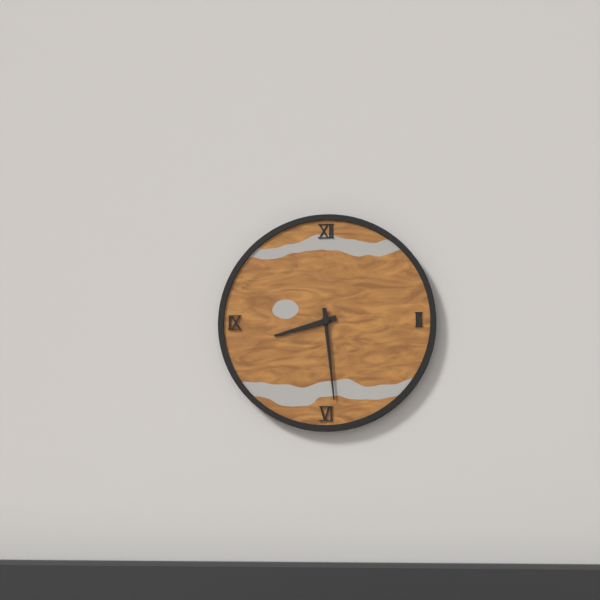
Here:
8,29
